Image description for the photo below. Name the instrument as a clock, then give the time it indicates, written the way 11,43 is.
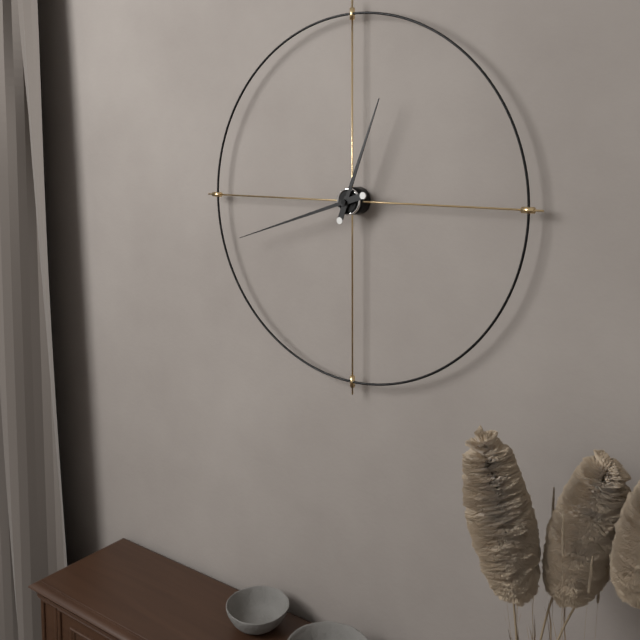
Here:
12,42
